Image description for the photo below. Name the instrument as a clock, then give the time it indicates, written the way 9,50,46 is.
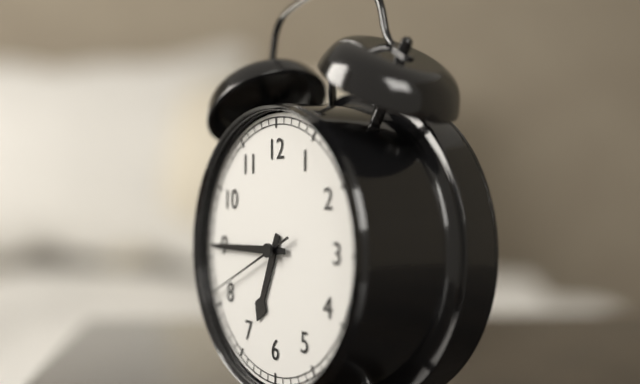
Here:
6,45,41
